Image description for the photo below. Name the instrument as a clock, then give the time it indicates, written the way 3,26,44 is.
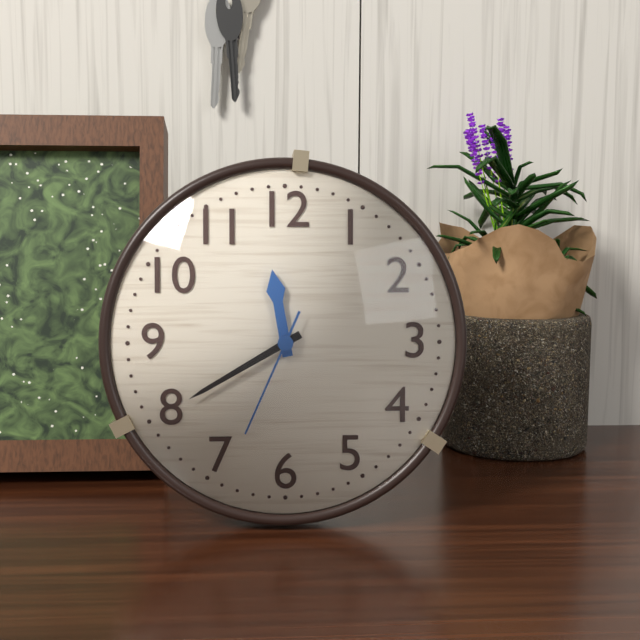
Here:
11,40,34
